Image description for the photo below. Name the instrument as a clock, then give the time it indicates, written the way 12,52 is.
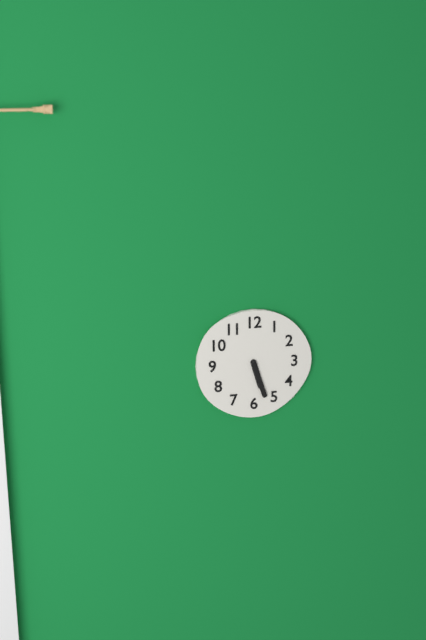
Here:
5,27
